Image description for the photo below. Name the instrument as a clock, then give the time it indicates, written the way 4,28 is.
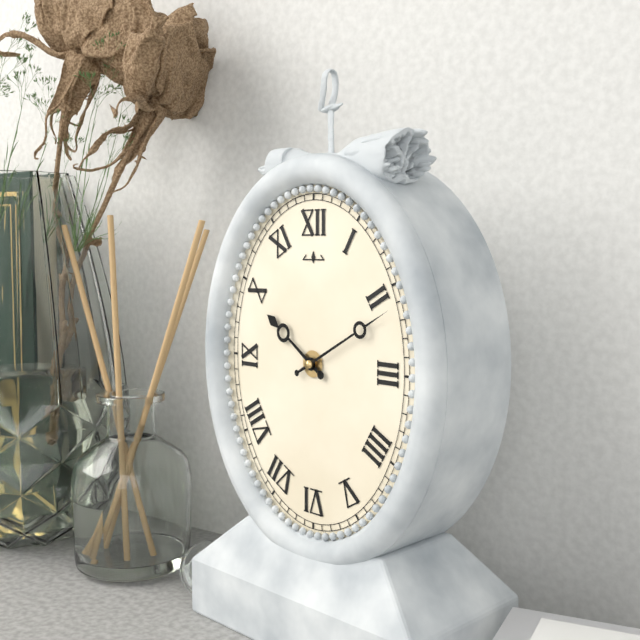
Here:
10,10
